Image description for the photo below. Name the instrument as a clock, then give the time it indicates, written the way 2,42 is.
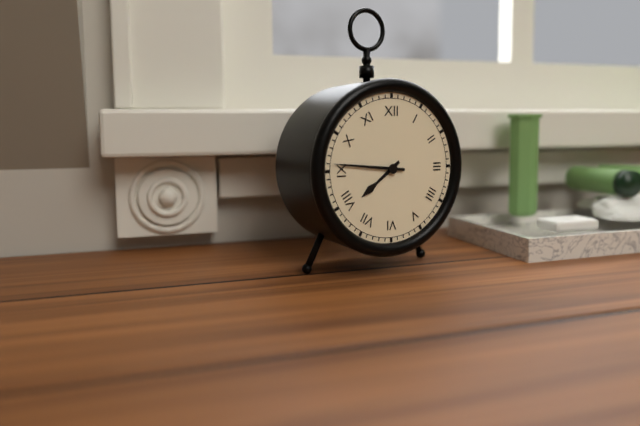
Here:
7,46
